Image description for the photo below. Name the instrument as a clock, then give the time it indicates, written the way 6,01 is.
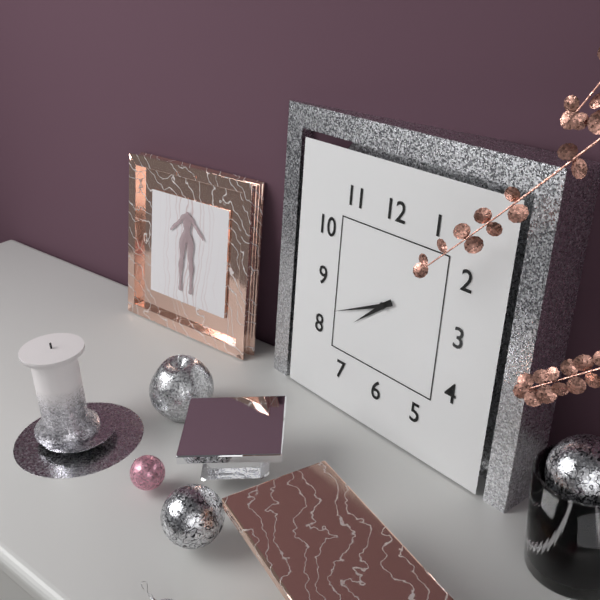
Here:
7,41
